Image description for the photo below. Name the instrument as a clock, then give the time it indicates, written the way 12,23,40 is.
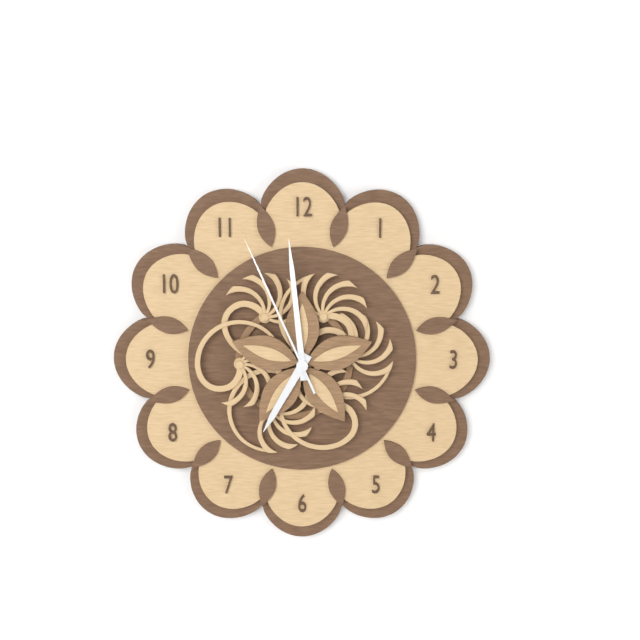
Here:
6,59,56
